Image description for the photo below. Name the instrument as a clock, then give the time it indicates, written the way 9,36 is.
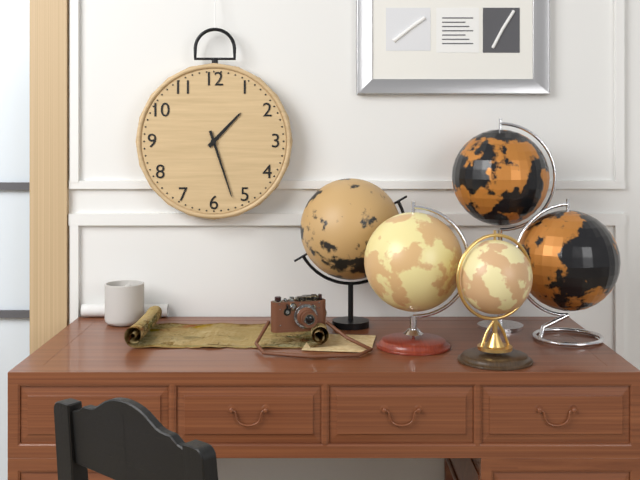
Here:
1,27
